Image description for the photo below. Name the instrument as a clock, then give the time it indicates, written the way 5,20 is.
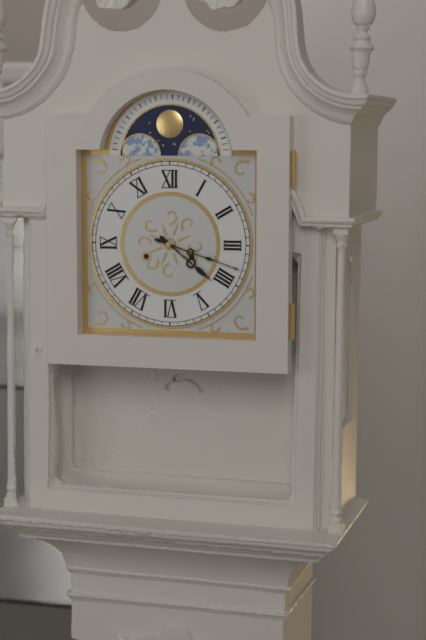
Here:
4,18
